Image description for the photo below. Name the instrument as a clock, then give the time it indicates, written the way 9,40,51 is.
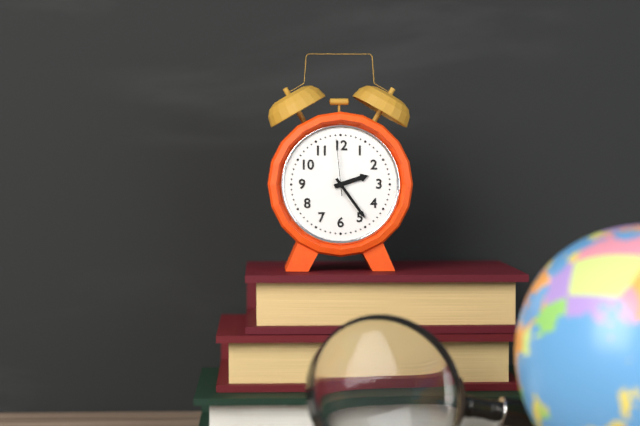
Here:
2,24,59
